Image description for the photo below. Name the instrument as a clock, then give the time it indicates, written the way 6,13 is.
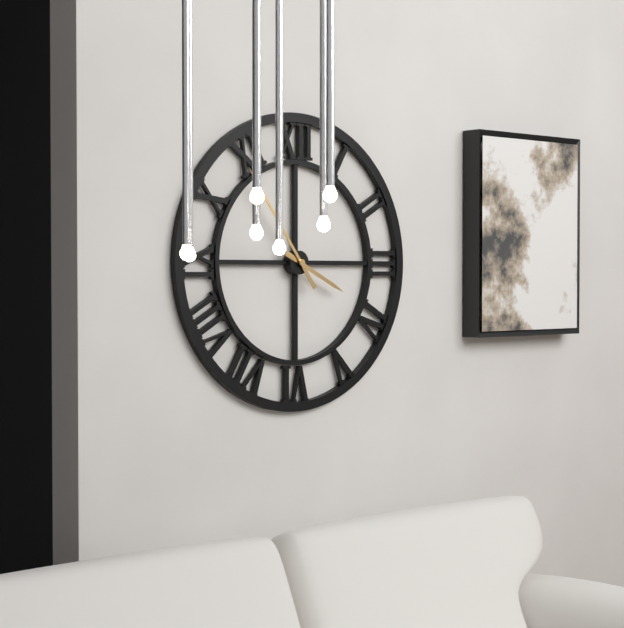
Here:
3,54
